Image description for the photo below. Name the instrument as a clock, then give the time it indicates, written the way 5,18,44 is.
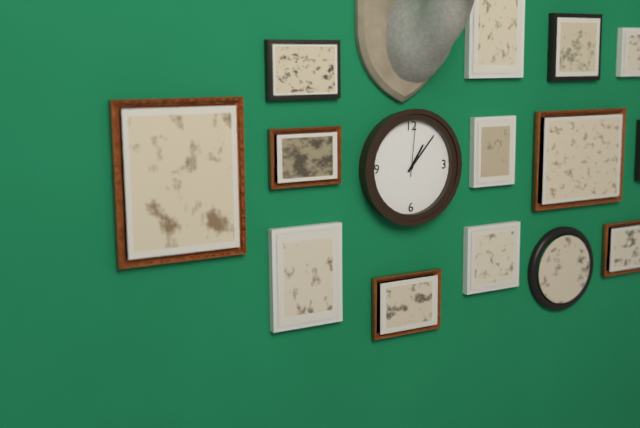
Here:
1,07,01
